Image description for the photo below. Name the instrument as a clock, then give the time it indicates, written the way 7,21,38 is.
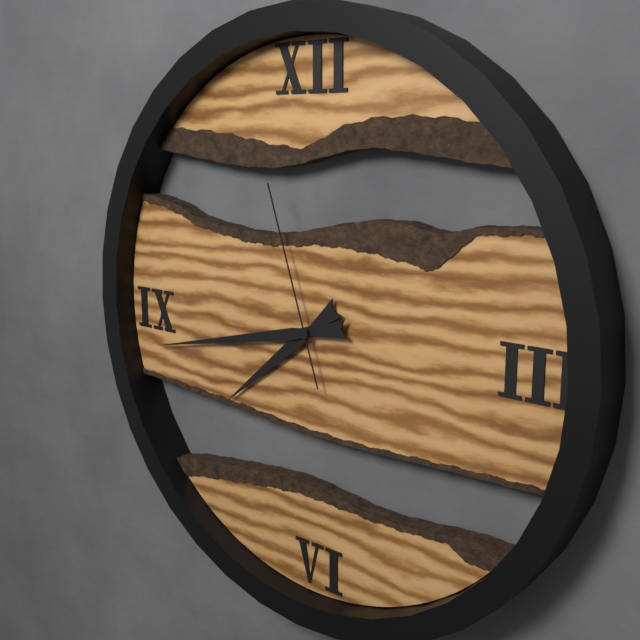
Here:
7,43,57
